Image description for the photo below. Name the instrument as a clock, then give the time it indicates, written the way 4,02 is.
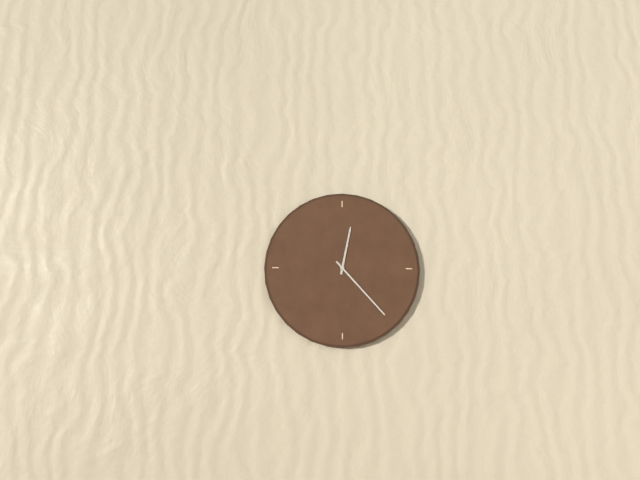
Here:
12,23
